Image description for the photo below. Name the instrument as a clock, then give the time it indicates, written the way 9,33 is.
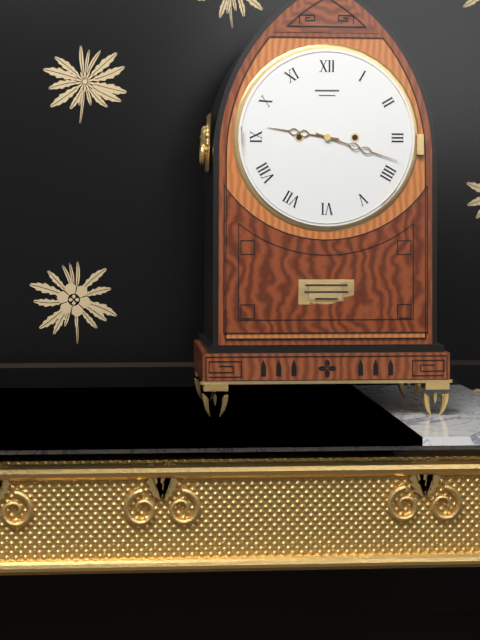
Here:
9,18
